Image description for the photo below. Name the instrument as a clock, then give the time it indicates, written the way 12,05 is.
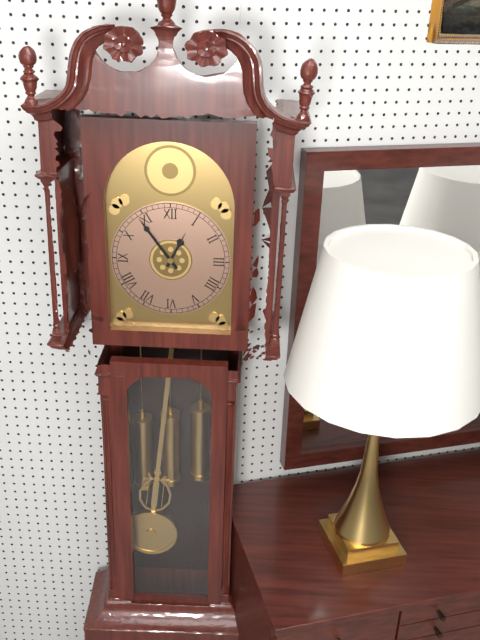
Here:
12,54
